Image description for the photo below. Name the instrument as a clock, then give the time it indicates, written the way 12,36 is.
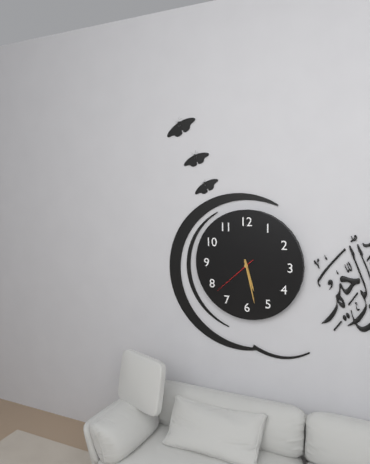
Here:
5,28
